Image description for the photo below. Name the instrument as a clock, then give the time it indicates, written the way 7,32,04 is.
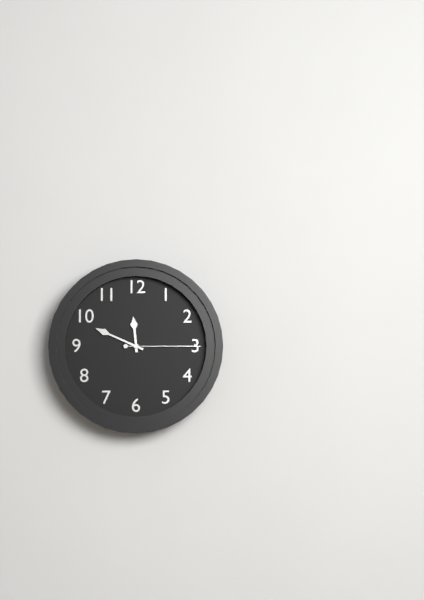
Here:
11,49,15
